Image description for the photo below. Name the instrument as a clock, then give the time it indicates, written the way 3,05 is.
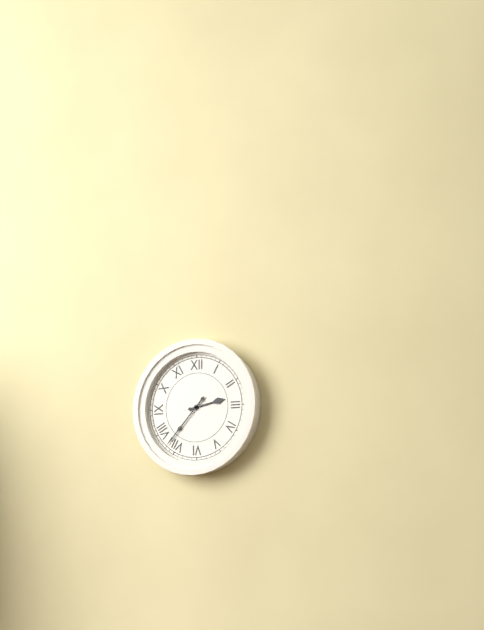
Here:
2,37
